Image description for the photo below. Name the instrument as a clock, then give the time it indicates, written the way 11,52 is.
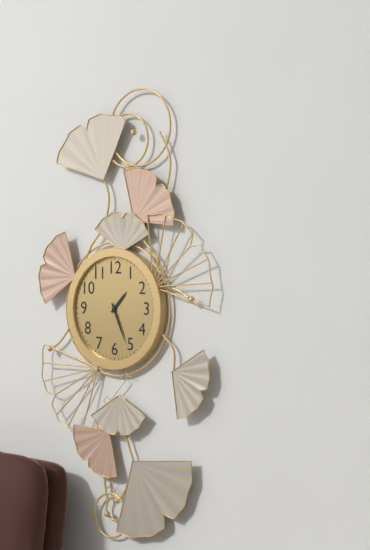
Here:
1,26
